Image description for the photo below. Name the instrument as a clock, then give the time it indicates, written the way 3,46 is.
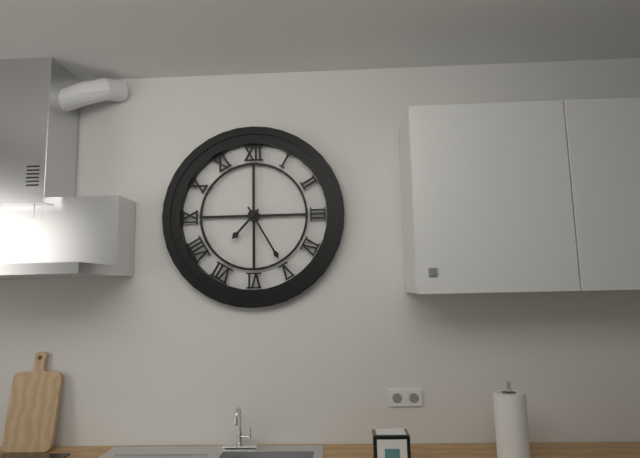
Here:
7,25
